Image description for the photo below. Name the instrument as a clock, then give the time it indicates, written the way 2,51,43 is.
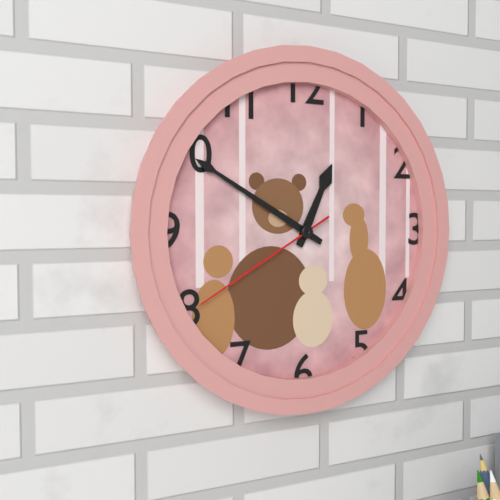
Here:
12,50,40
